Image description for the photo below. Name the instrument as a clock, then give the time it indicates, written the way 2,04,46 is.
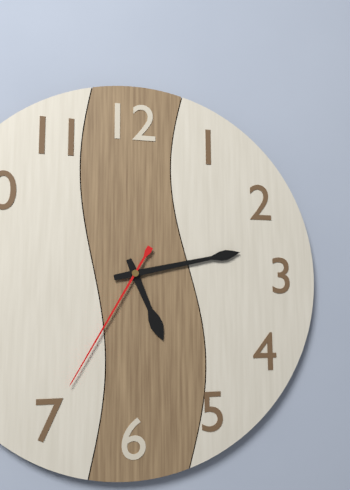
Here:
5,13,35
